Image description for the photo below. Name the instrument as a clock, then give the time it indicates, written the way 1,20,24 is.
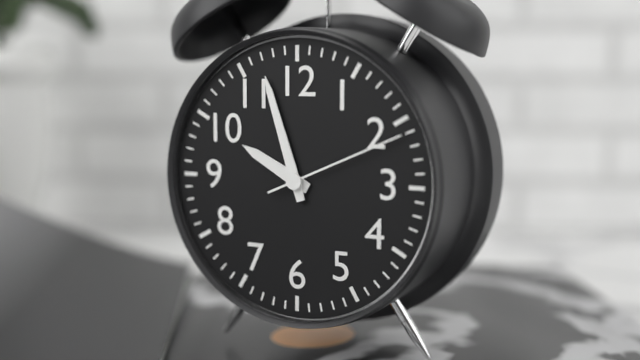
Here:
9,57,11
